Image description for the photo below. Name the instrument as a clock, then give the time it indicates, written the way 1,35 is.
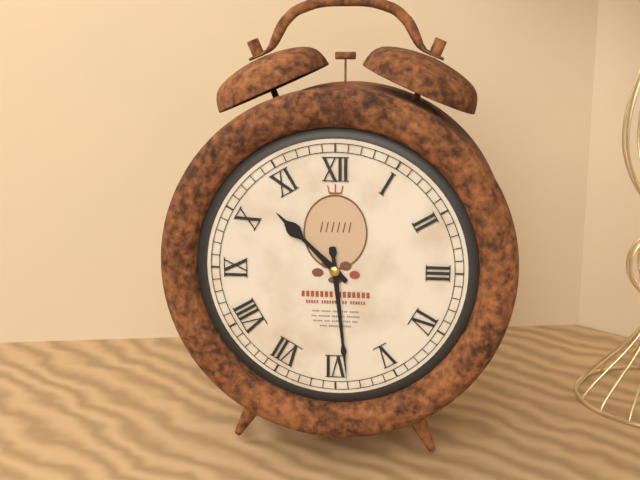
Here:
10,29
